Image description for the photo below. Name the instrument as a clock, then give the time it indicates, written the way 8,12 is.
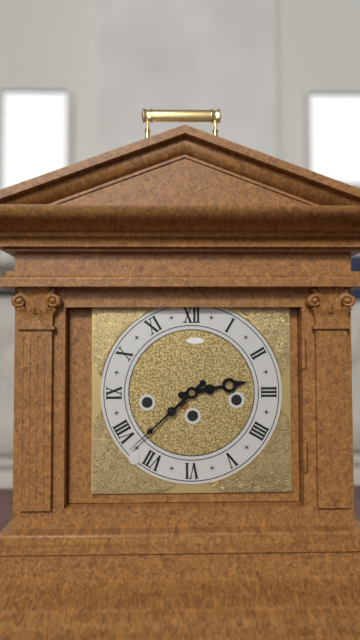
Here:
2,38
